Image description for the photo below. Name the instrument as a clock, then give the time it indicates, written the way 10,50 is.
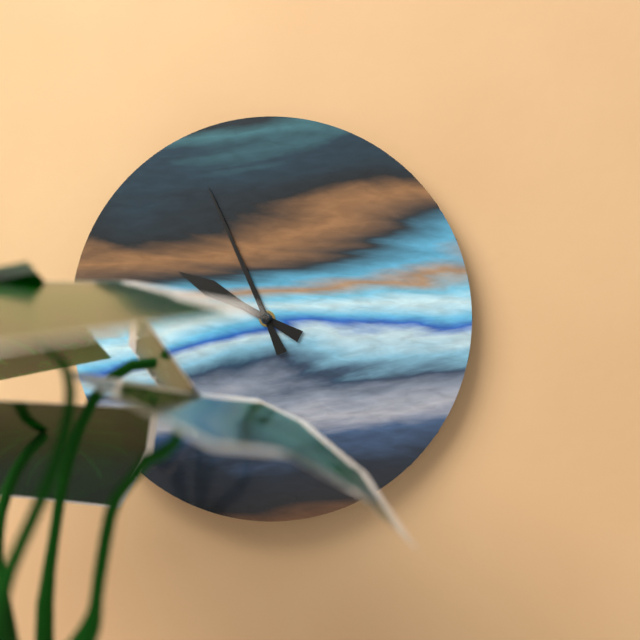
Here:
9,56
